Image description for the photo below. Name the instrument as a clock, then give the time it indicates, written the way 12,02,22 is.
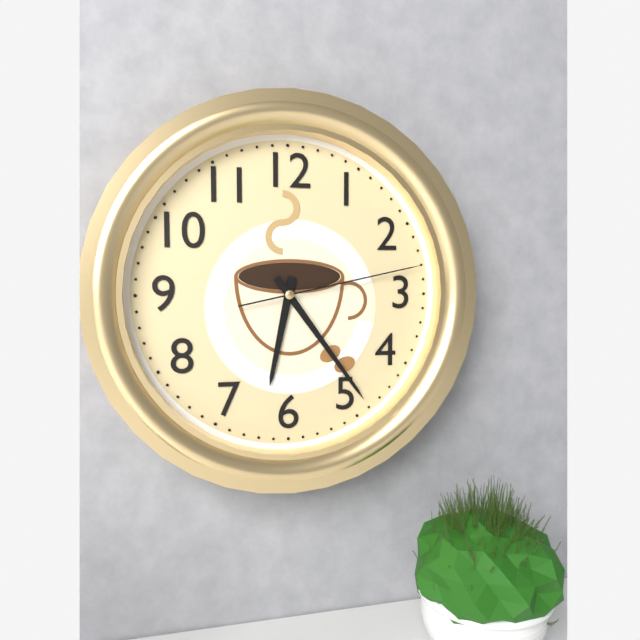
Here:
6,24,13
